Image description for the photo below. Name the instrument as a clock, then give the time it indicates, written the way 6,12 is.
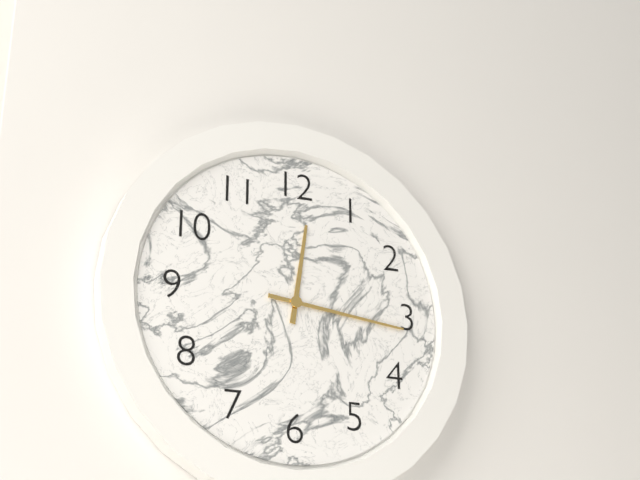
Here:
12,16
